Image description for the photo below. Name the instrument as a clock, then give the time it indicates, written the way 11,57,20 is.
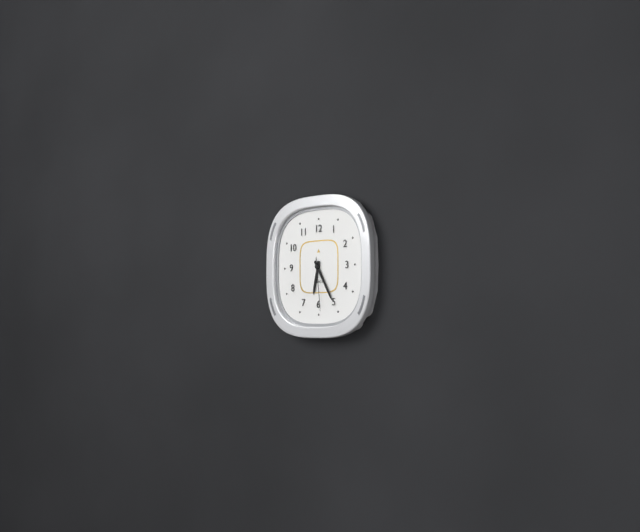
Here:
6,25,29
